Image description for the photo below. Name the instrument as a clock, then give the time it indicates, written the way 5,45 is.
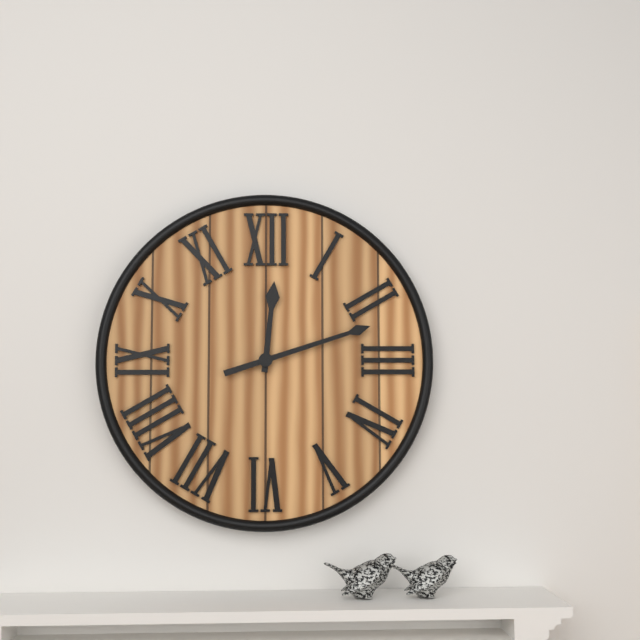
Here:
12,12
